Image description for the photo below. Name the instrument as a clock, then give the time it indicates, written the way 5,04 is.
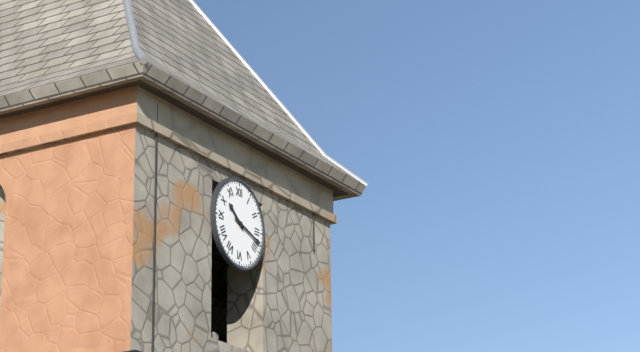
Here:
10,18
